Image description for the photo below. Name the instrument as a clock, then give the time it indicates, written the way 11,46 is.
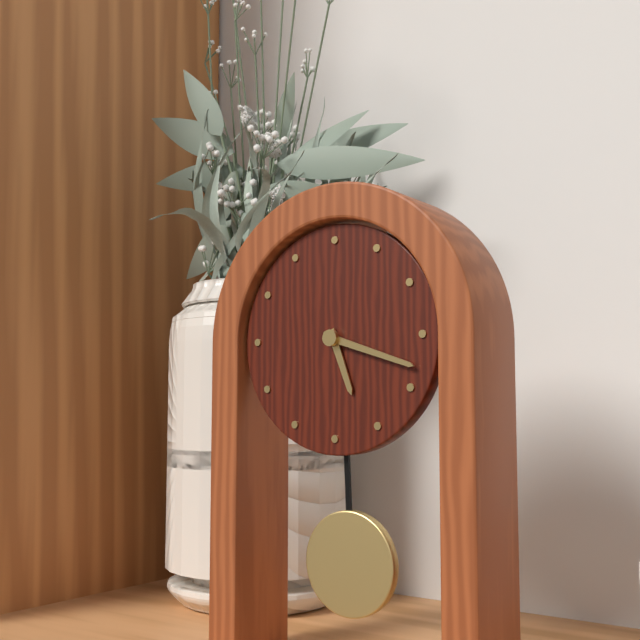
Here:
5,18
